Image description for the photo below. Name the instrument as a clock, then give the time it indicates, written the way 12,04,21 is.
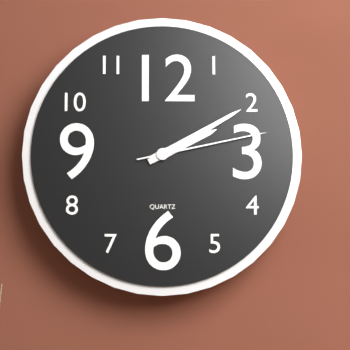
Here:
2,10,13
